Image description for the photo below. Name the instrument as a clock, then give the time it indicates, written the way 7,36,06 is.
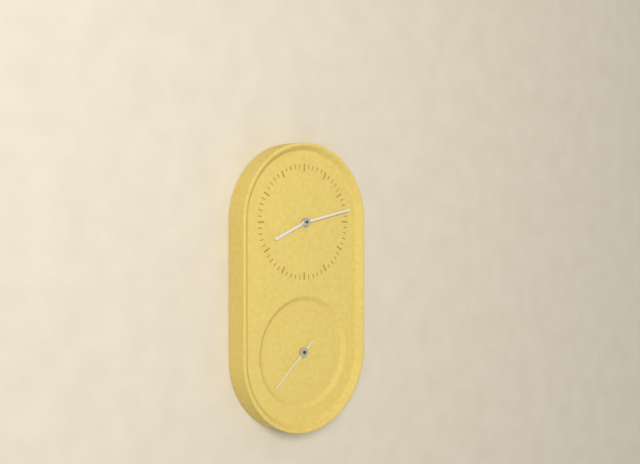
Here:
8,13,38
